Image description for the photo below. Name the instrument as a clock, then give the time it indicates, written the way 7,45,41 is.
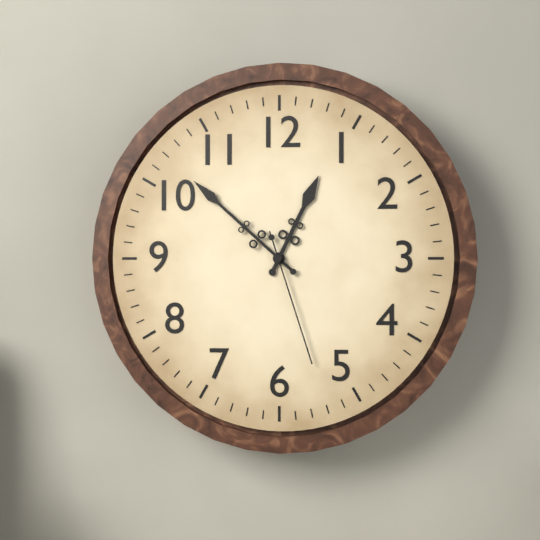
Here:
12,52,27
